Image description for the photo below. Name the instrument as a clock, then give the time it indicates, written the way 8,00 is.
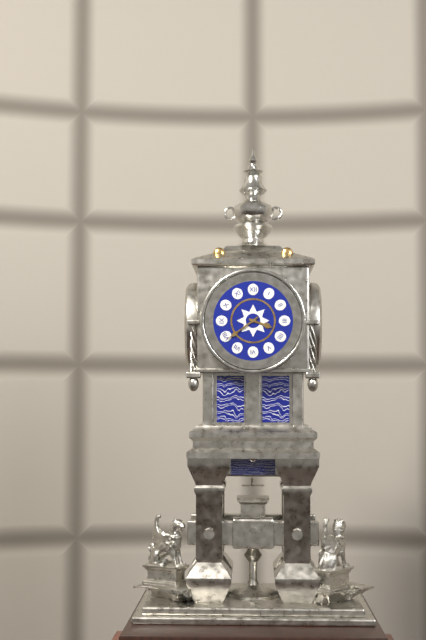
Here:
3,39
